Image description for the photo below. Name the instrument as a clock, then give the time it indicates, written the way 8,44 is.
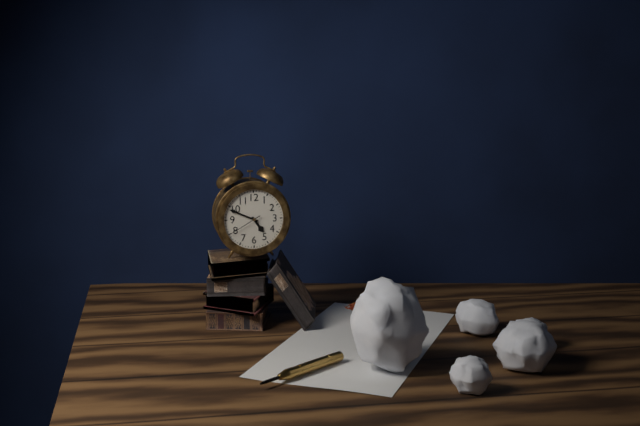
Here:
4,49
